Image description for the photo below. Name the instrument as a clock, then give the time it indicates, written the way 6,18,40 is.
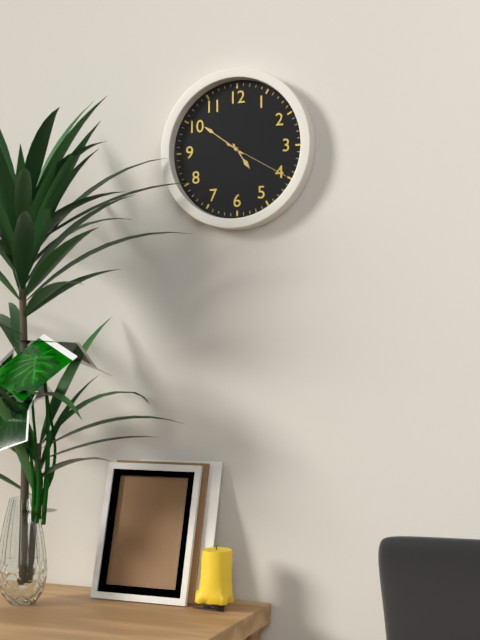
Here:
4,51,20
